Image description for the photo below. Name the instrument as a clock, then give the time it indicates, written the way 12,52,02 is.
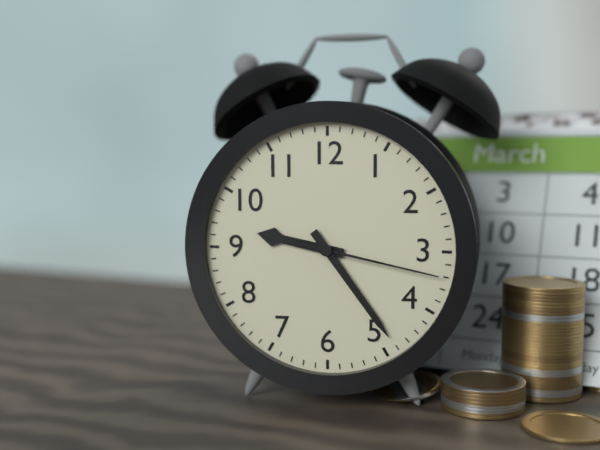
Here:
9,24,17
